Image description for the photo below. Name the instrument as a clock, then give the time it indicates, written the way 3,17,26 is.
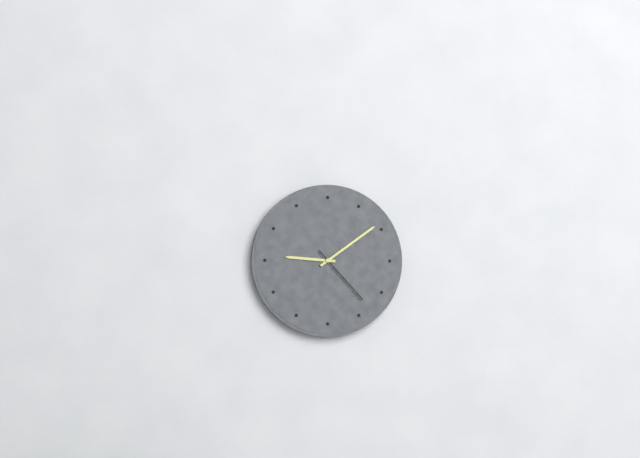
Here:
9,09,23
